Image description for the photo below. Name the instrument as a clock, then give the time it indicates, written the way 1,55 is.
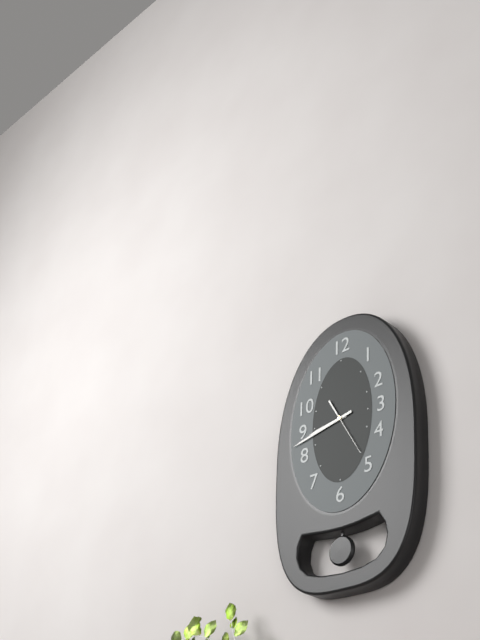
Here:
8,43
